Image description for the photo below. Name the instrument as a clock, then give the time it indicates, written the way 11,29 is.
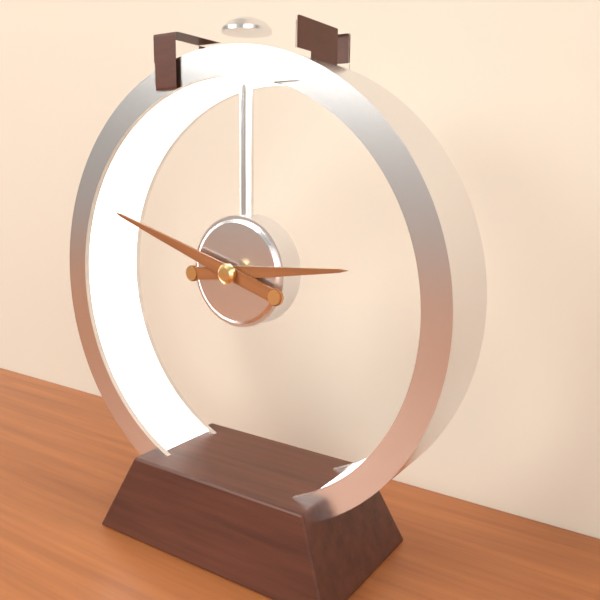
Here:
2,48
